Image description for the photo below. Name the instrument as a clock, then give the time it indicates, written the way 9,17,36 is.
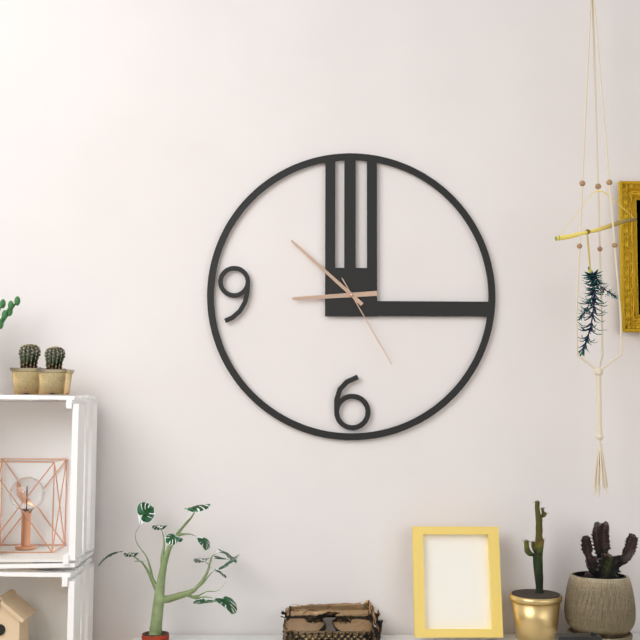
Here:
8,52,25
